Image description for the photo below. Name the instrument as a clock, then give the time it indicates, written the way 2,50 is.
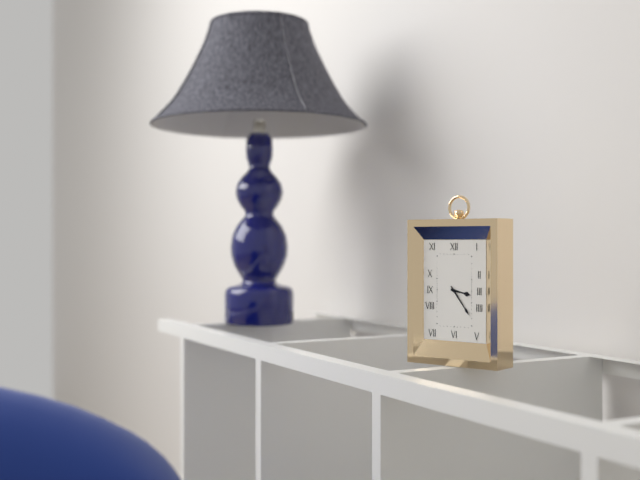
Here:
3,24
